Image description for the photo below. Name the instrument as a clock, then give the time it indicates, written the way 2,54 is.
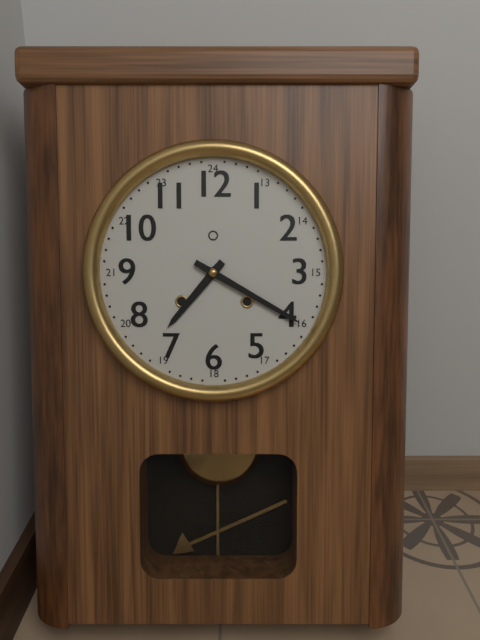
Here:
7,20
